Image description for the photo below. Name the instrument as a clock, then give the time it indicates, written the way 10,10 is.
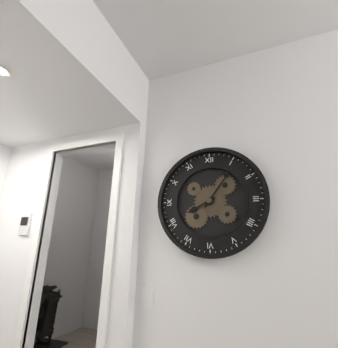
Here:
8,06
